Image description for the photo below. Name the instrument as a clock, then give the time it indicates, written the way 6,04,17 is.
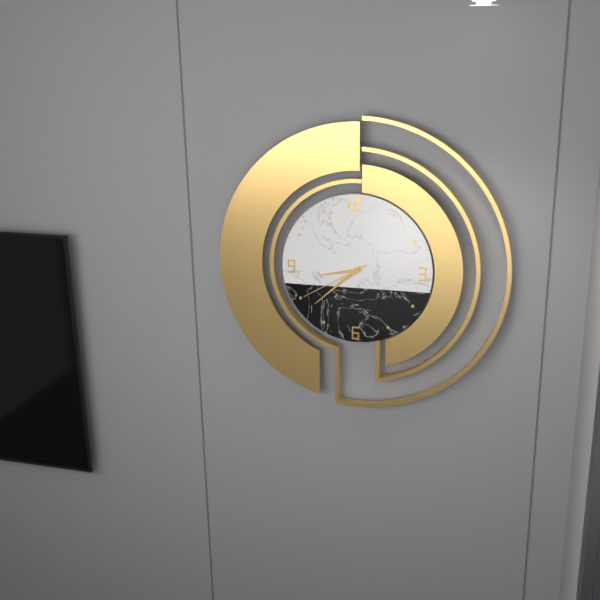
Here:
8,38,40
